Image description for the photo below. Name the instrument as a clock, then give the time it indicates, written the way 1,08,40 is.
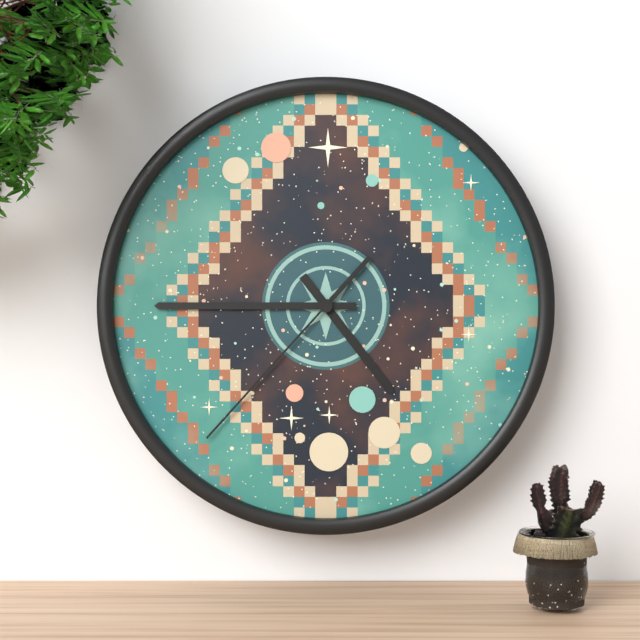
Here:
4,45,37
